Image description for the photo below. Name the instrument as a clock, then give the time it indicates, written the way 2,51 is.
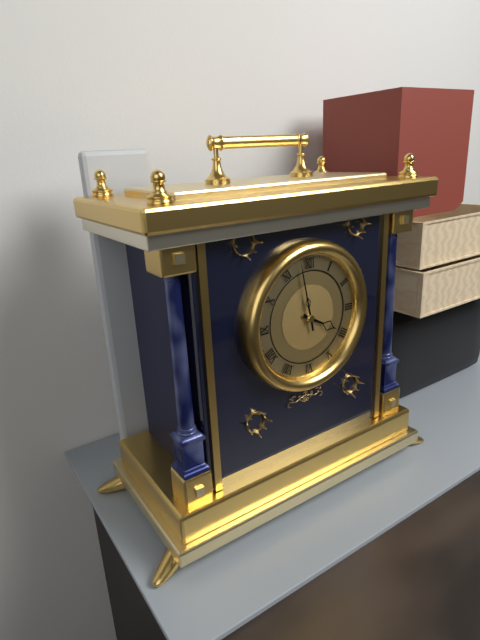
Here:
3,58
